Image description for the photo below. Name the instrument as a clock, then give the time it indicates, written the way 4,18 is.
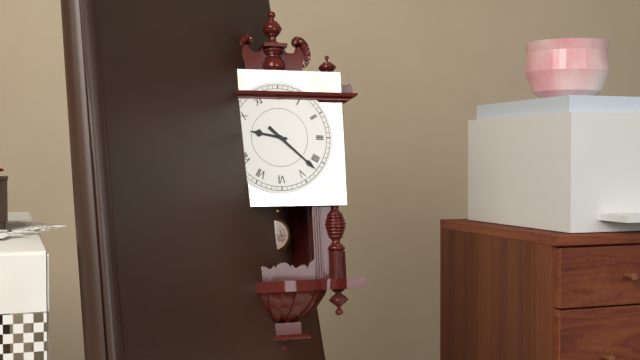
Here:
9,22
